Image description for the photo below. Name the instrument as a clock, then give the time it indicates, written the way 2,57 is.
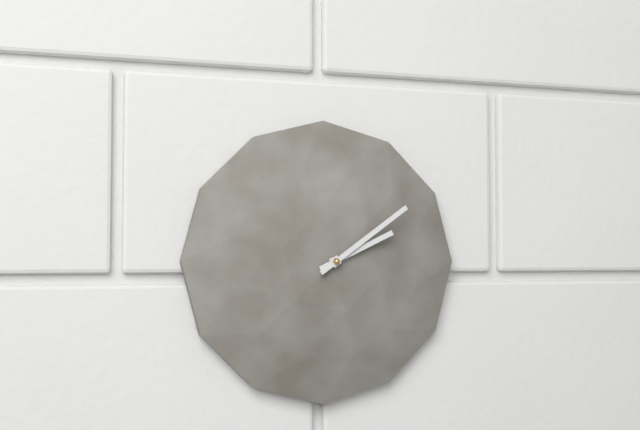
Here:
2,09
